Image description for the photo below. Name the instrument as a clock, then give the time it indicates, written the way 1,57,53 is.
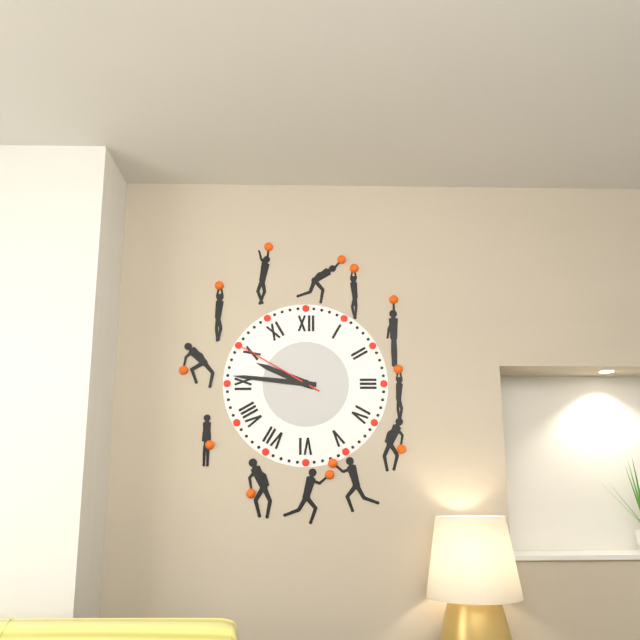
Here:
9,46,50
